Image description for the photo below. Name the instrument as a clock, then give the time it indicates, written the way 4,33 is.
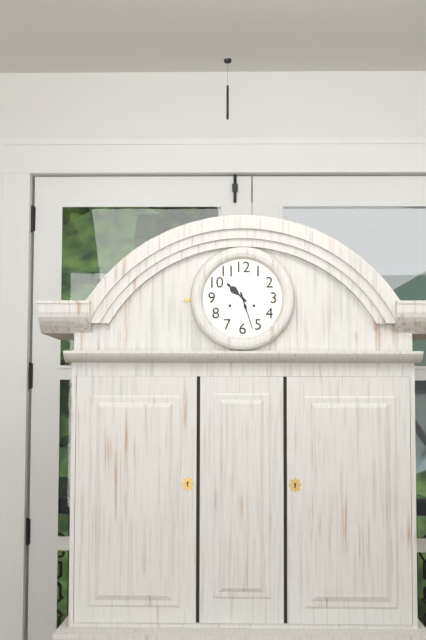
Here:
10,27
